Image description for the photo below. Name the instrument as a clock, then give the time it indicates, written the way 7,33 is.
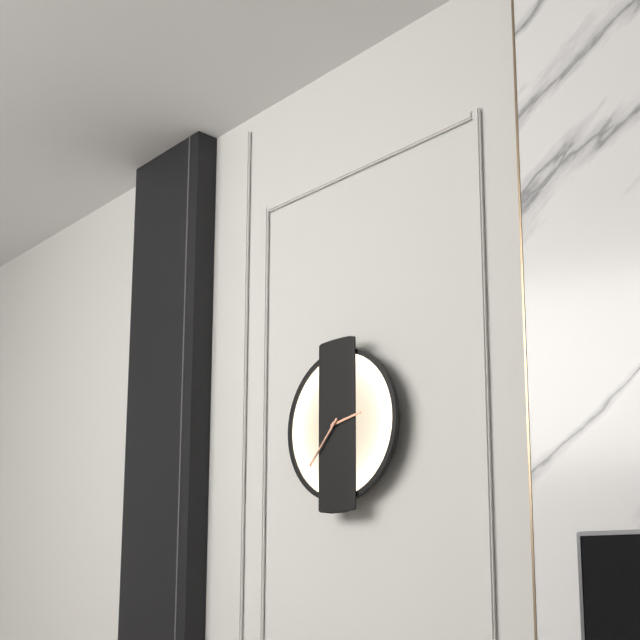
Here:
2,37
